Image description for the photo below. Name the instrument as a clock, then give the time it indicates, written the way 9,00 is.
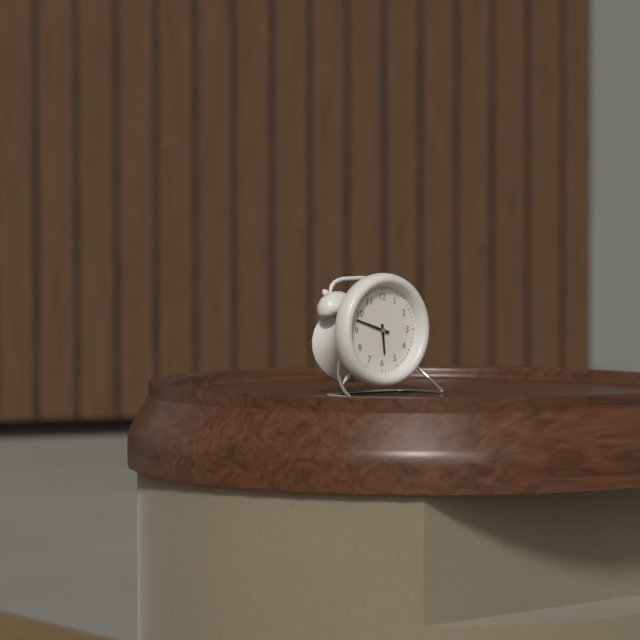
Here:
5,48
